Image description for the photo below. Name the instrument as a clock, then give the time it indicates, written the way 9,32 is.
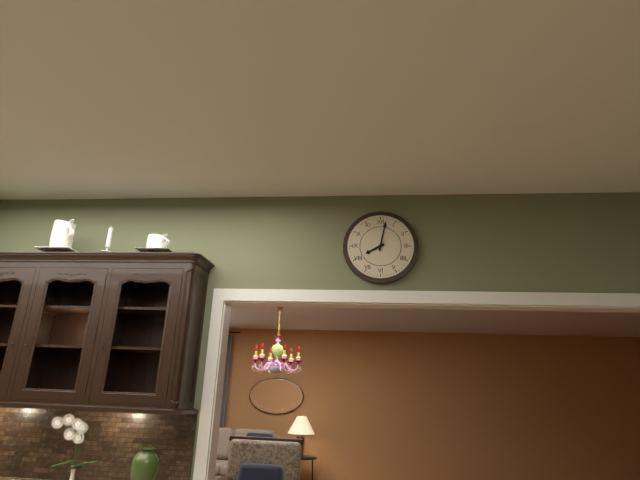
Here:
8,02
